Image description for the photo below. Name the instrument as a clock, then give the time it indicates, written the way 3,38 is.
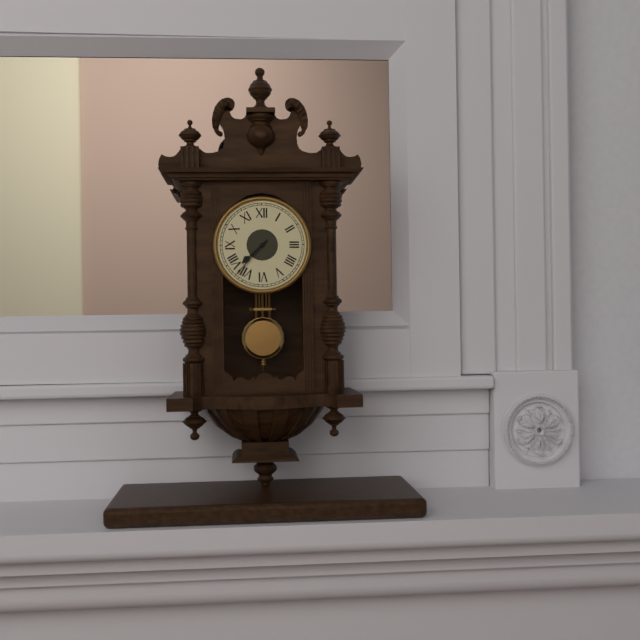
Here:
7,37
